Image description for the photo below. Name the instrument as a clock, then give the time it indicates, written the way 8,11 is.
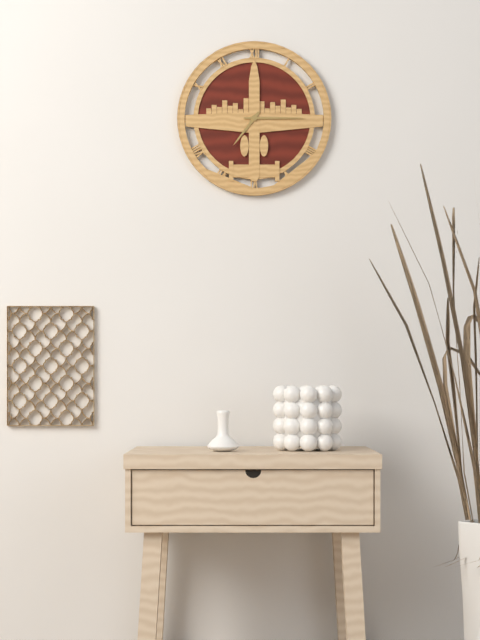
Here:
7,15
